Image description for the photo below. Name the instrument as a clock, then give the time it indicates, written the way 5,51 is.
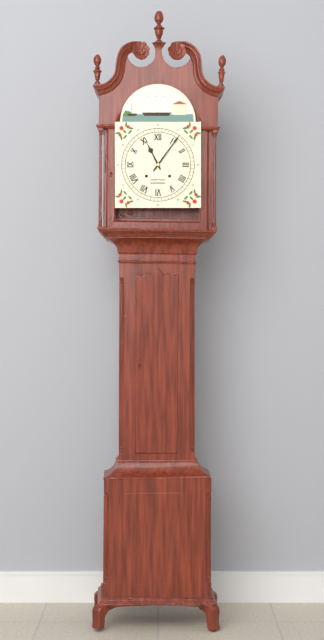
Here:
11,06
